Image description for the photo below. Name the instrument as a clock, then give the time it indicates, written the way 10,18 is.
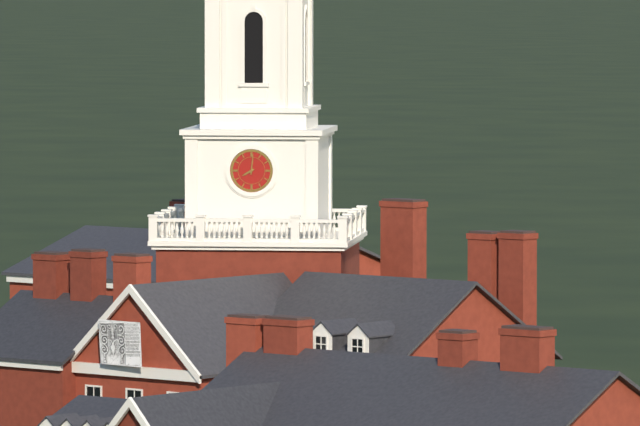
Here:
8,01
